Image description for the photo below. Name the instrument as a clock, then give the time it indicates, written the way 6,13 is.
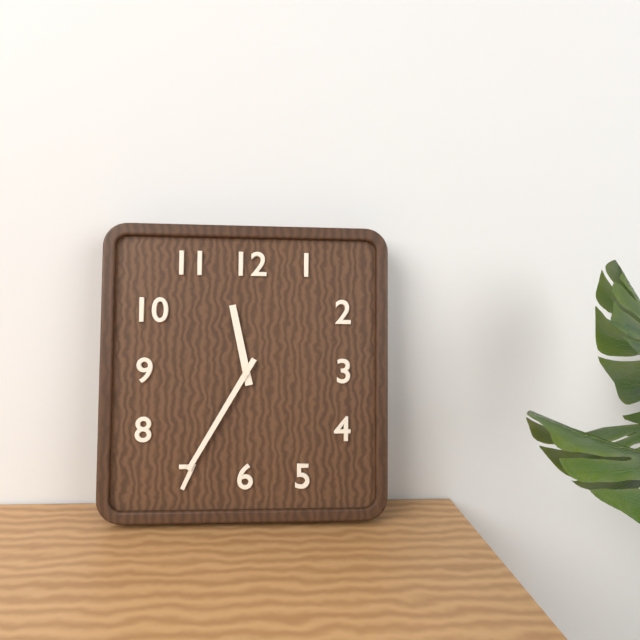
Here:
11,35
